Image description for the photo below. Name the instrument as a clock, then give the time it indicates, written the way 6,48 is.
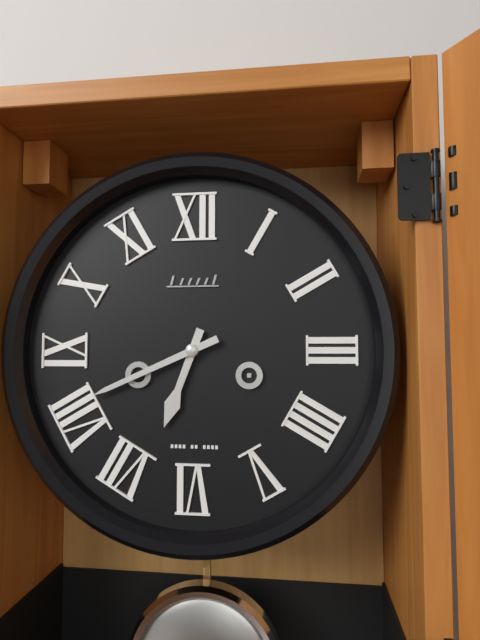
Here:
6,41
